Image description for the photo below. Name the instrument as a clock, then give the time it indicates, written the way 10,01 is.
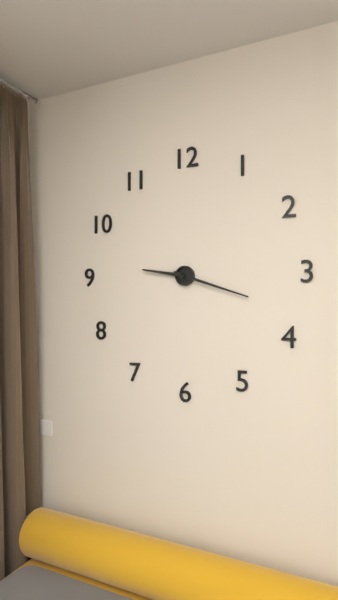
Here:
9,18
